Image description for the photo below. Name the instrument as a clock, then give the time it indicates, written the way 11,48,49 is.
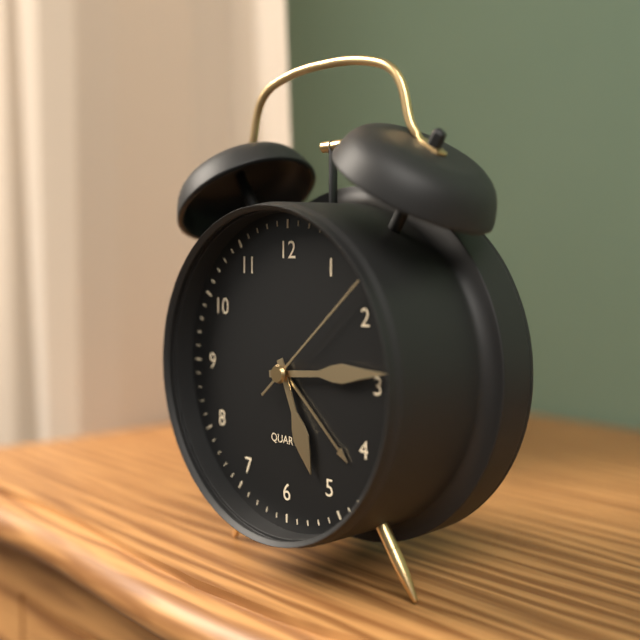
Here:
5,14,08
